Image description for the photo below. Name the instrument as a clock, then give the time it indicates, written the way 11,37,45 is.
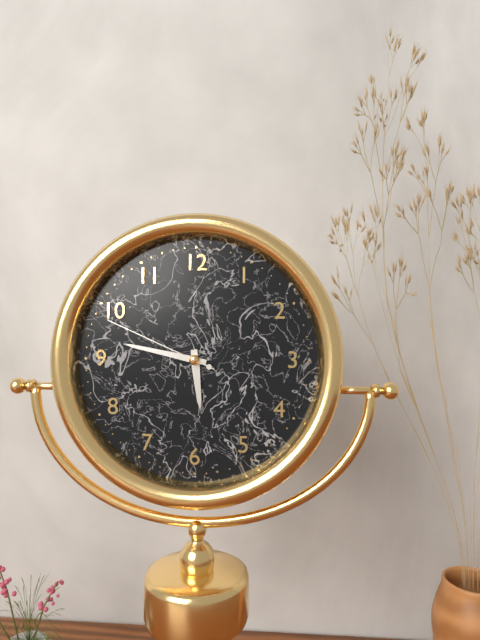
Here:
5,47,49
